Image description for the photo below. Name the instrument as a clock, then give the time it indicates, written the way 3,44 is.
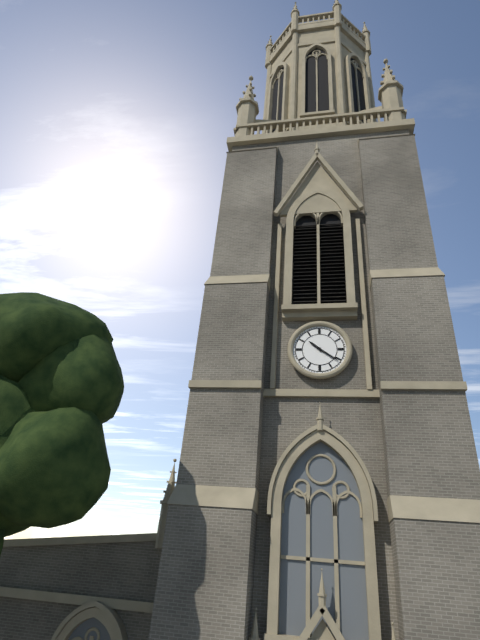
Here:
10,21
